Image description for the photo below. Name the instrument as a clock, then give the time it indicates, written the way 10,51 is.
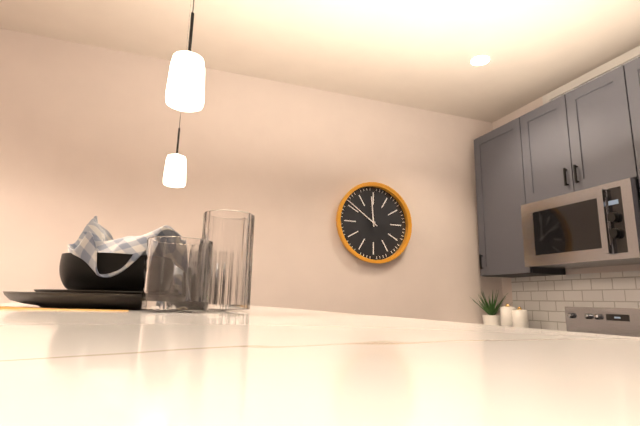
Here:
11,51
